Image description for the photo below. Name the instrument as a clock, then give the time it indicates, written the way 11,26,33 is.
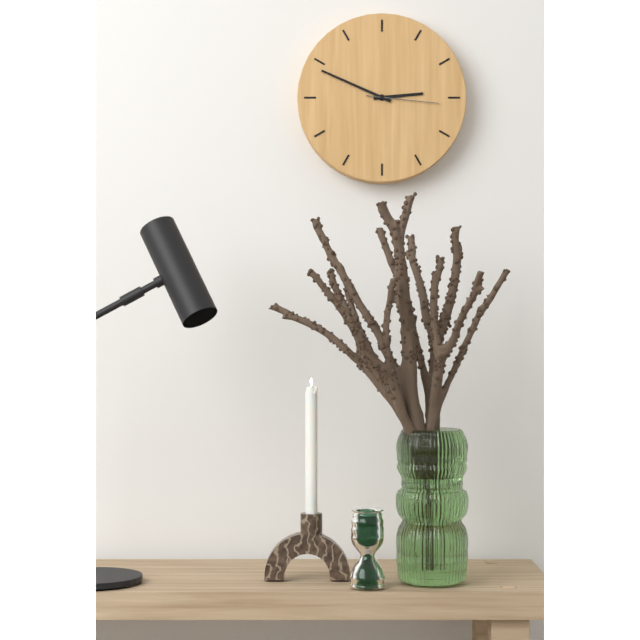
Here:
2,49,16
